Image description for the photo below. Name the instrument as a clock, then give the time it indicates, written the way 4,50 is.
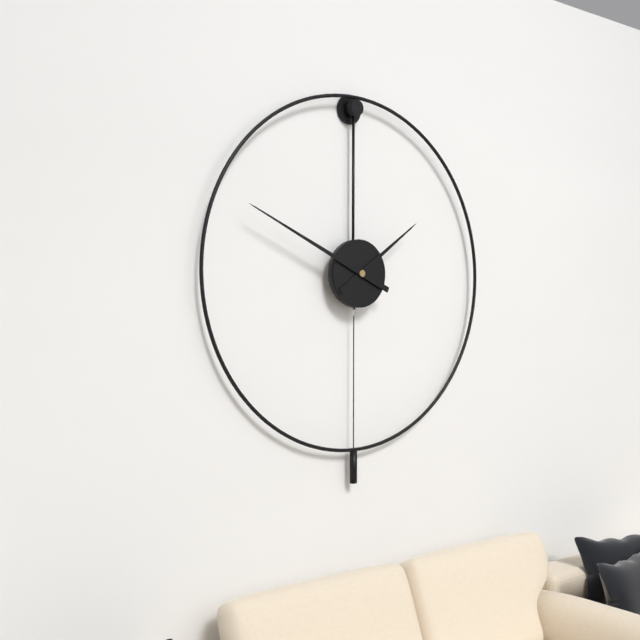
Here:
1,49
